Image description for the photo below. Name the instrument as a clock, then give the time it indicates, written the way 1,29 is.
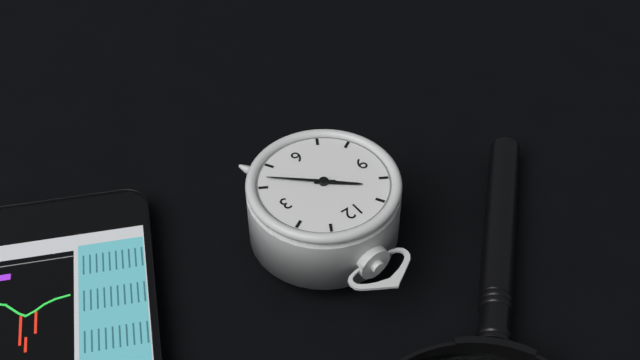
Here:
10,22
